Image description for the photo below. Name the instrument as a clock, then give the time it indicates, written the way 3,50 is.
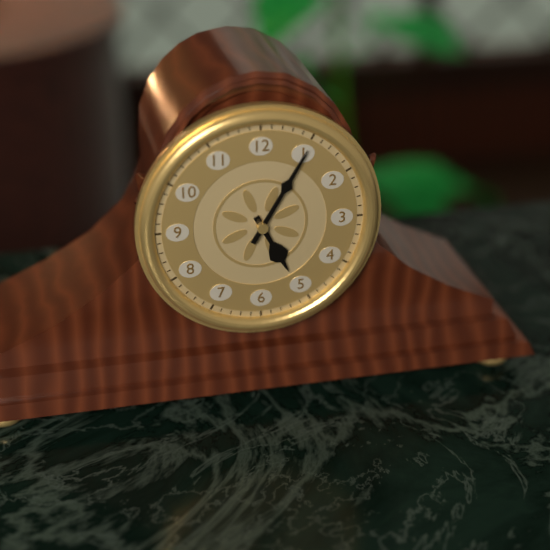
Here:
5,05
